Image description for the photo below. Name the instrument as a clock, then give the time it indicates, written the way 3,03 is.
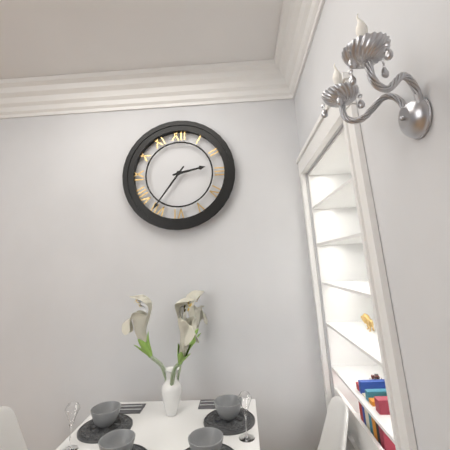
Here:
2,36
